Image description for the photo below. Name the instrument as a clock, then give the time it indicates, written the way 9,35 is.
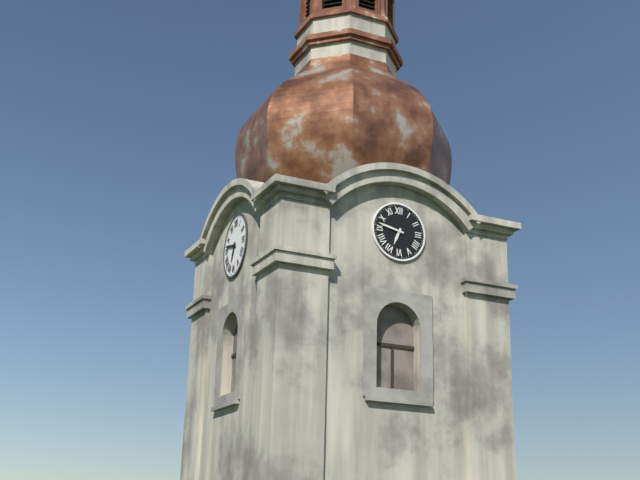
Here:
6,47
